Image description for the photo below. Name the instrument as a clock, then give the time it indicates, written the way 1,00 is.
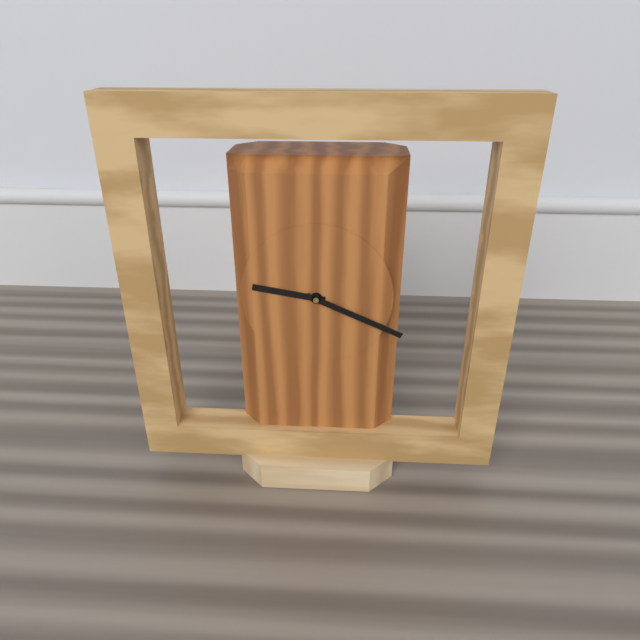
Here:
9,19
